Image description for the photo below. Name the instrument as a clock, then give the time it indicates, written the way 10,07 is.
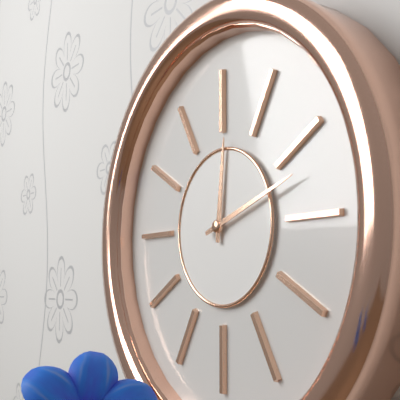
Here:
12,12
